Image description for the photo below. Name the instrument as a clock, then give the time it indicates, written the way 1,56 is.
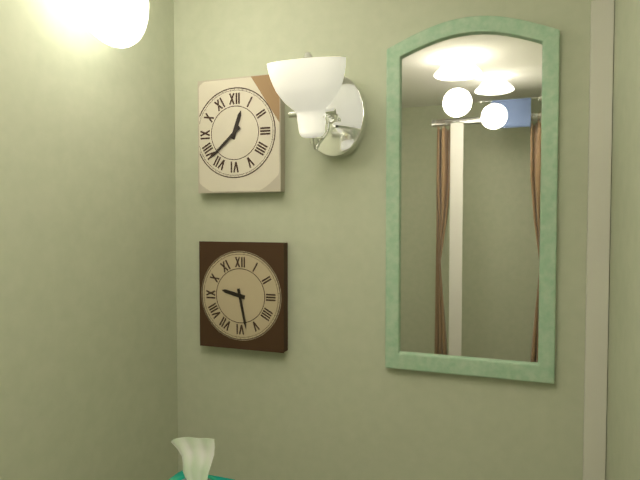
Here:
12,38
